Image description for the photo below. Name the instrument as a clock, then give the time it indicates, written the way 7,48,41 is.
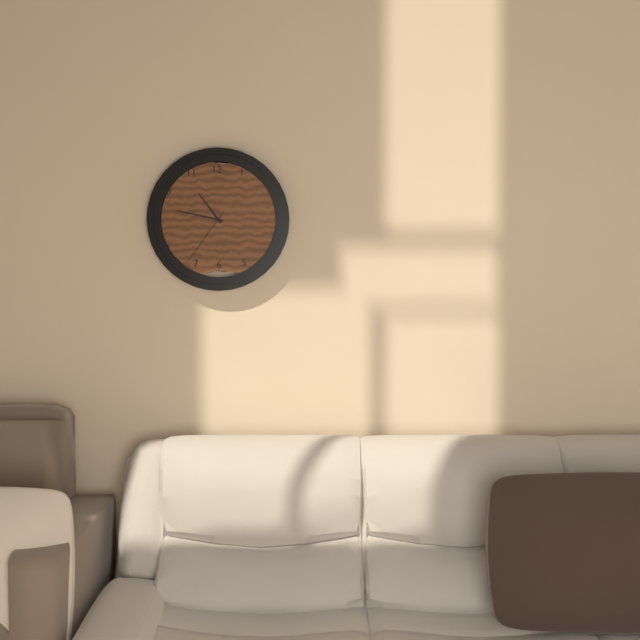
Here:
10,47,36
